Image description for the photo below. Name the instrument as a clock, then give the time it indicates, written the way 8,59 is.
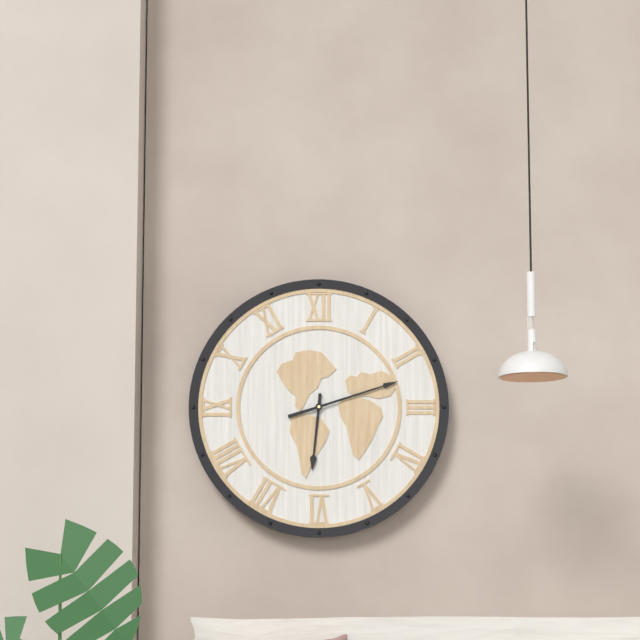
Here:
6,12
